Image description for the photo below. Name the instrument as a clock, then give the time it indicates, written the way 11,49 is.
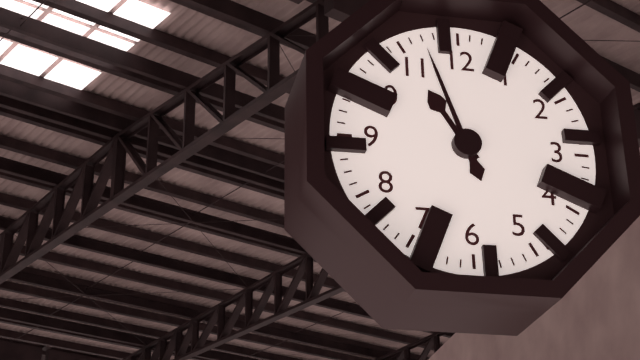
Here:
10,57
